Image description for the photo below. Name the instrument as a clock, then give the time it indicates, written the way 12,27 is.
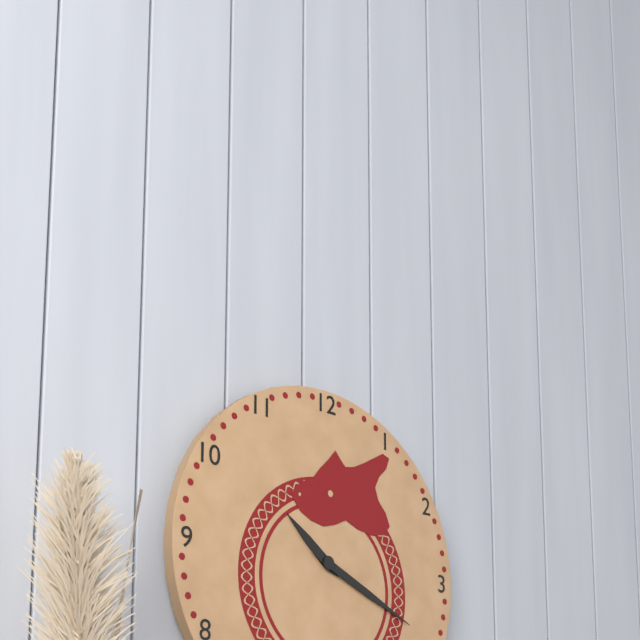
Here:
10,19
